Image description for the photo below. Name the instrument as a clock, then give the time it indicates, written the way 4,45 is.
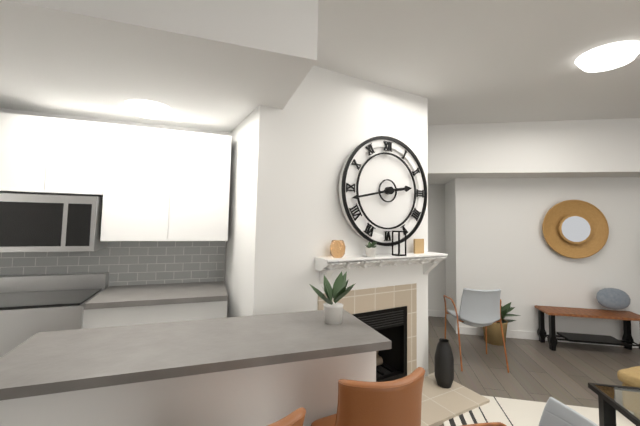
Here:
2,43
